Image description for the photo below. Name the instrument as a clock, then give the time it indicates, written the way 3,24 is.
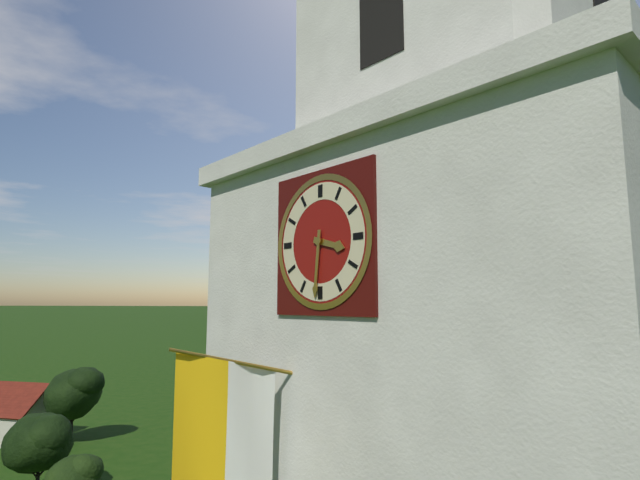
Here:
3,31
